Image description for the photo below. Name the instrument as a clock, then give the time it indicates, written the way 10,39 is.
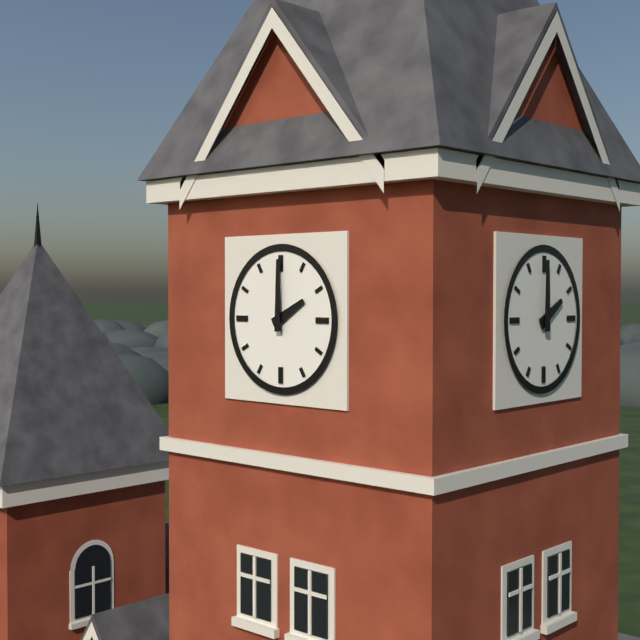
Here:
2,00
